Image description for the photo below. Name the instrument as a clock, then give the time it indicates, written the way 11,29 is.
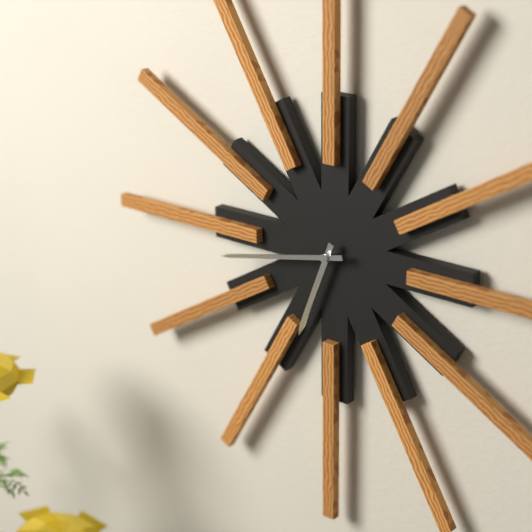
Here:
6,43
